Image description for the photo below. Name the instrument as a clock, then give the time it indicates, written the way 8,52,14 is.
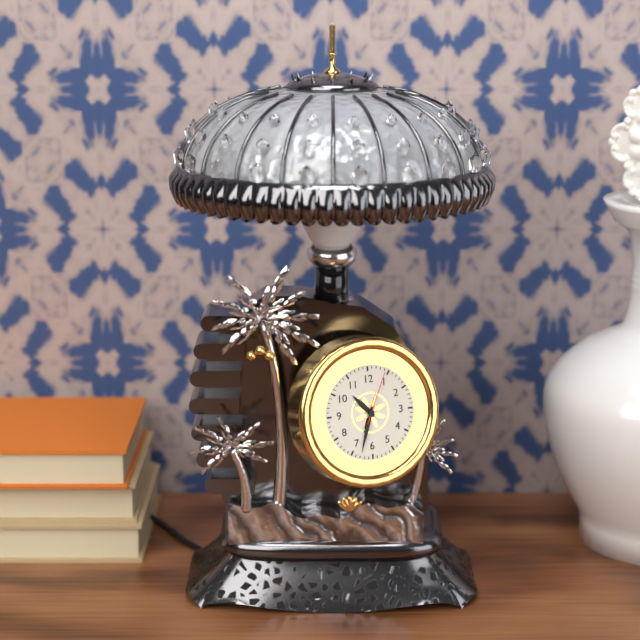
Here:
10,33,04
